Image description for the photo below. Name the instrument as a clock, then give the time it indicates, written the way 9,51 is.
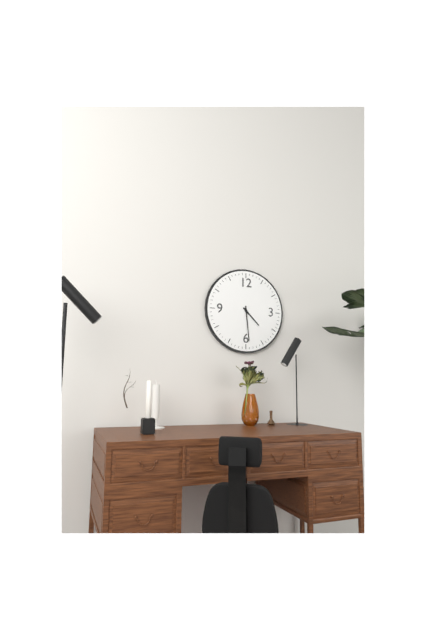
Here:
4,29
